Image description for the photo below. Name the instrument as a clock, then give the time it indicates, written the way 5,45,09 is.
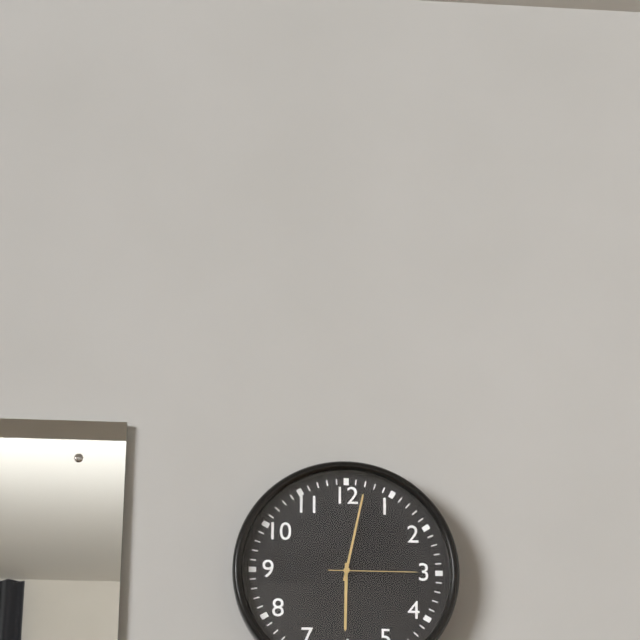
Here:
6,02,15
